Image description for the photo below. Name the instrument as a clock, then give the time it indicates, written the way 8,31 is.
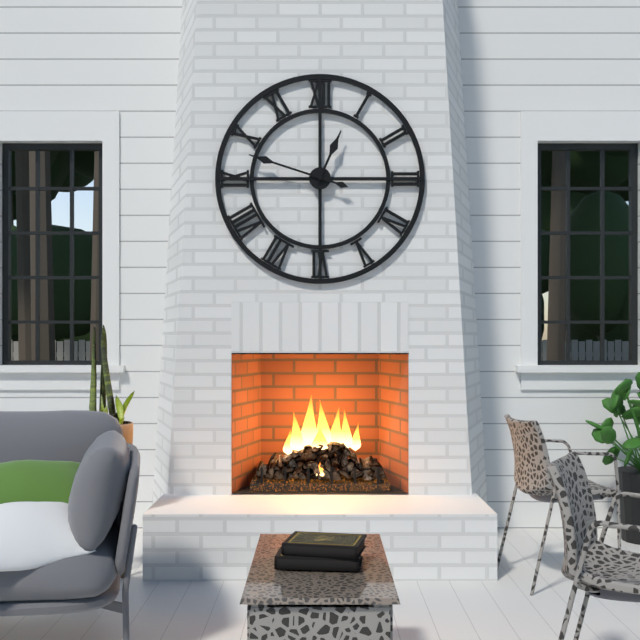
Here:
12,48
